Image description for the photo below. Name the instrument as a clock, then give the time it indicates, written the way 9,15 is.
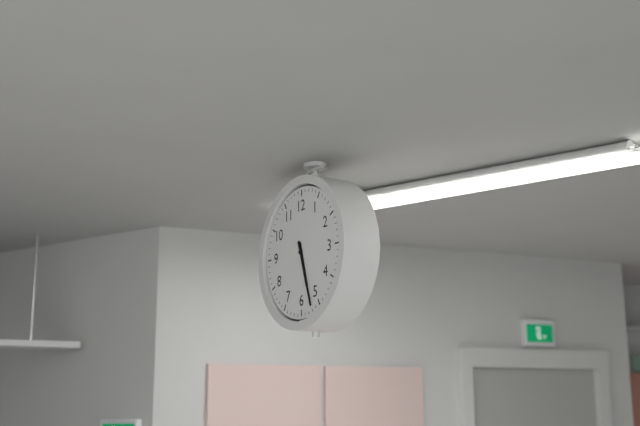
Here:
5,27
